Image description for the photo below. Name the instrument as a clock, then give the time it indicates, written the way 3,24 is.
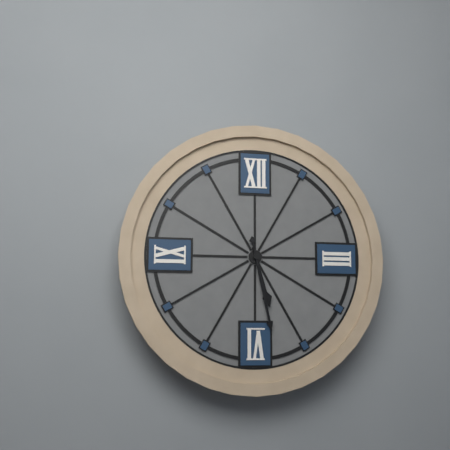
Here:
5,28
